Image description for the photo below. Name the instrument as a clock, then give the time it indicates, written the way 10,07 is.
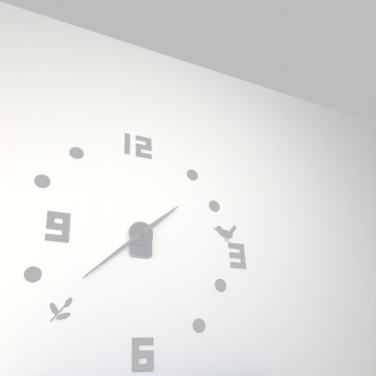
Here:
1,38
